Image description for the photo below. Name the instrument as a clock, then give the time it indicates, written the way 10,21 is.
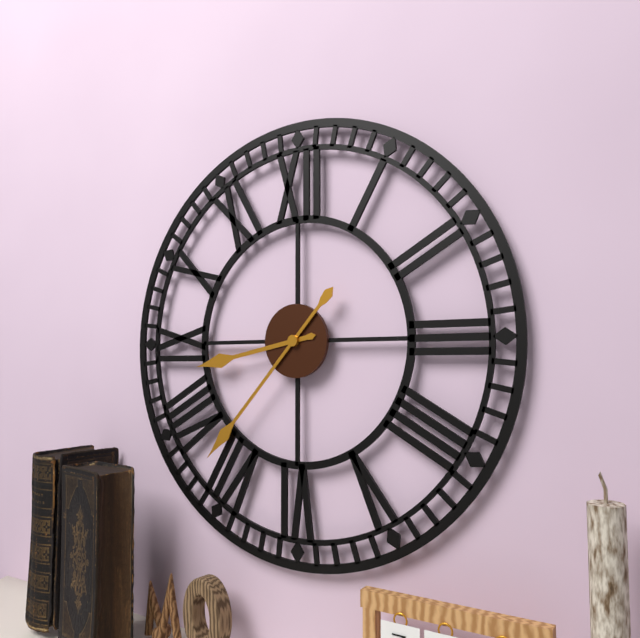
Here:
8,37
